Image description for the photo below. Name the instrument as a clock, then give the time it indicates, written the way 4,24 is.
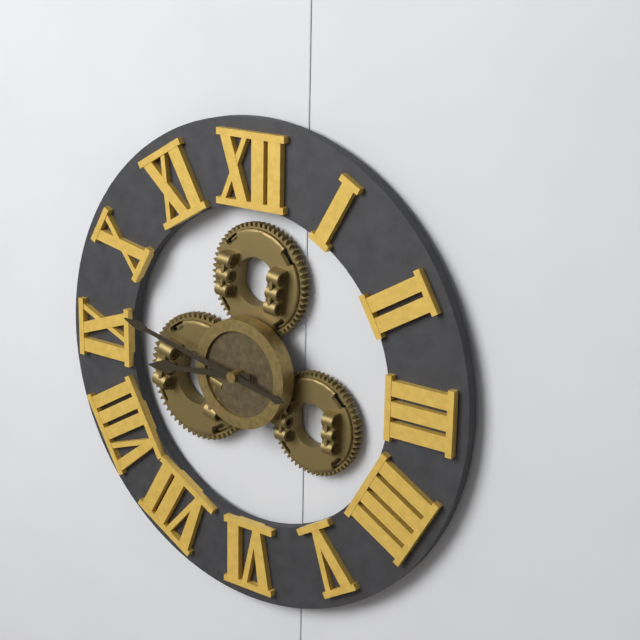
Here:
8,47
